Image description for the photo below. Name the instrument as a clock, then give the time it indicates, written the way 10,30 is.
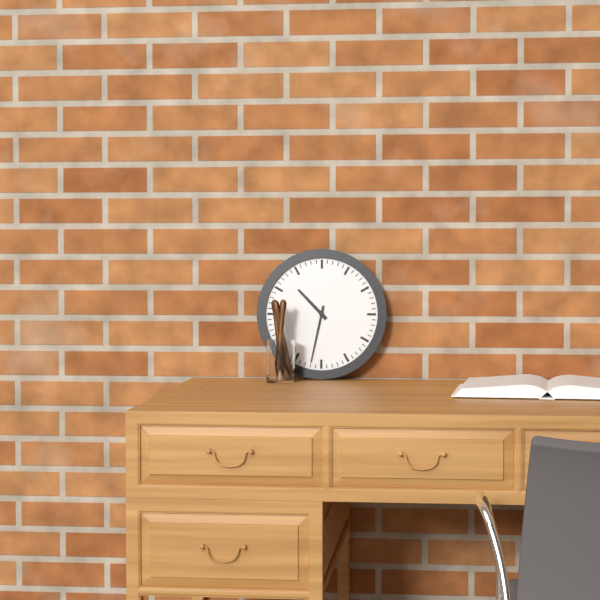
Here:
10,32
